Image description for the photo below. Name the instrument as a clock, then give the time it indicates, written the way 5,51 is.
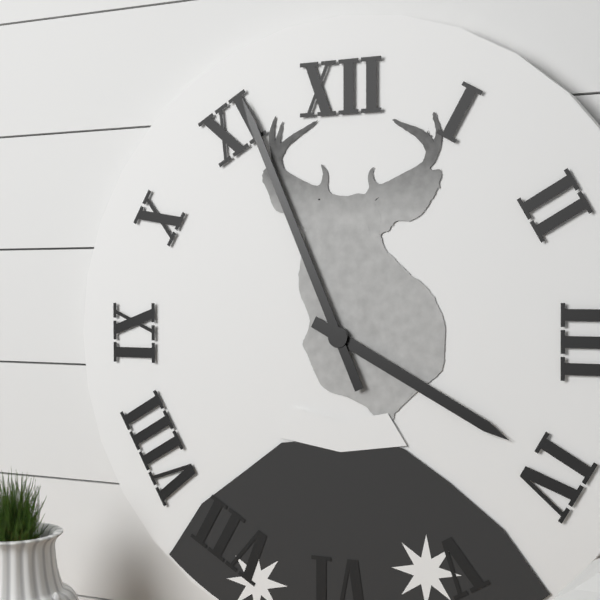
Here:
3,56
